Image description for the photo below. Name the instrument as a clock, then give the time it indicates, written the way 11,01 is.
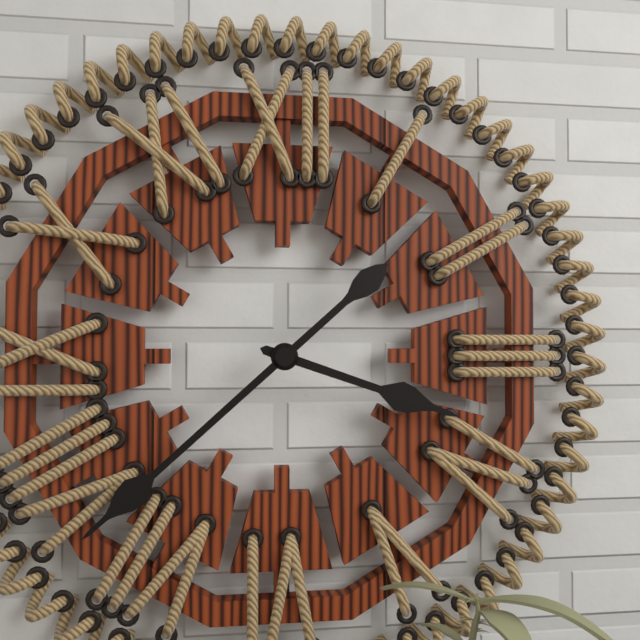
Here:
3,38
